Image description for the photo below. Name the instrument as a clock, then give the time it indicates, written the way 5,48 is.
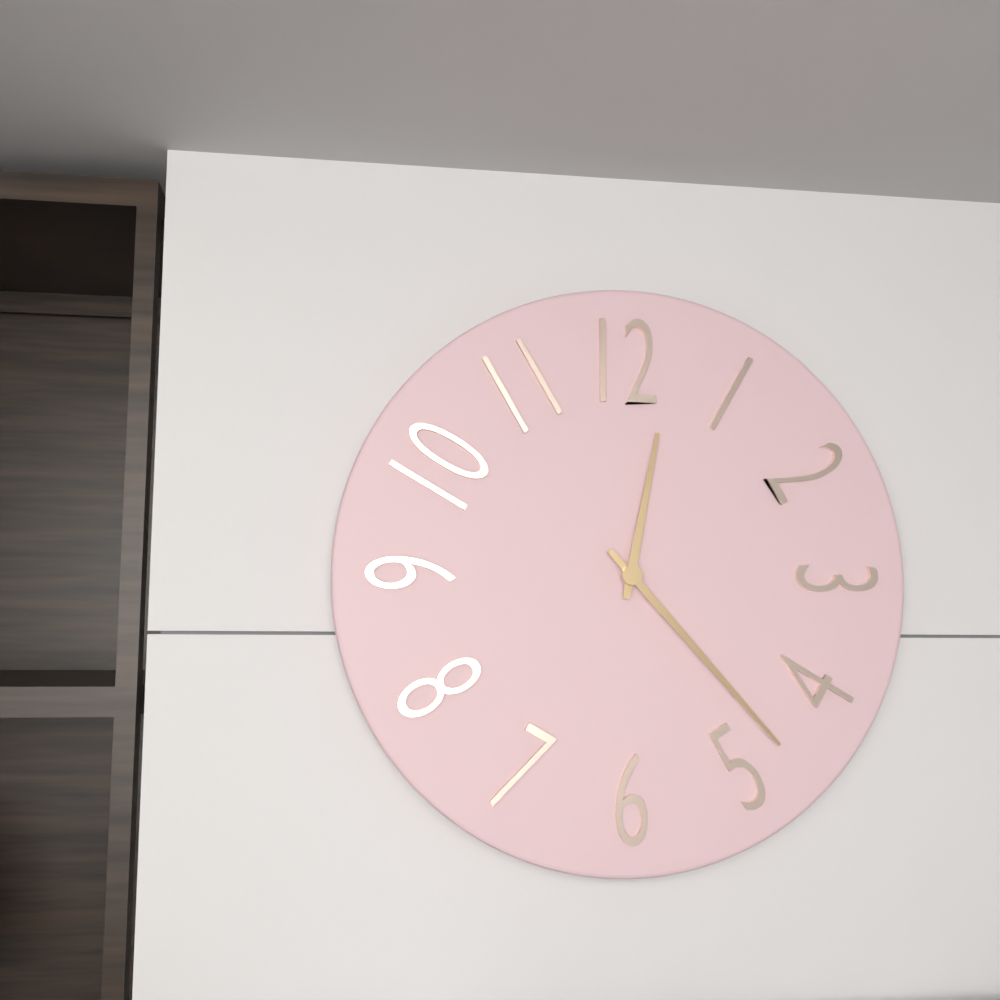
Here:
12,23
